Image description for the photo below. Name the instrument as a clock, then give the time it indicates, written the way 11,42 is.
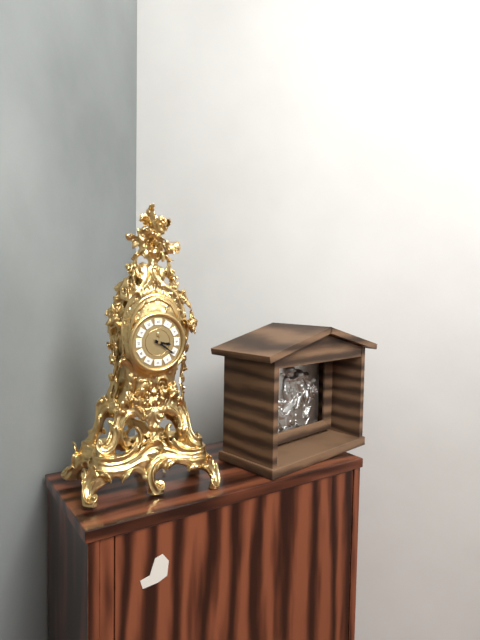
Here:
3,21
